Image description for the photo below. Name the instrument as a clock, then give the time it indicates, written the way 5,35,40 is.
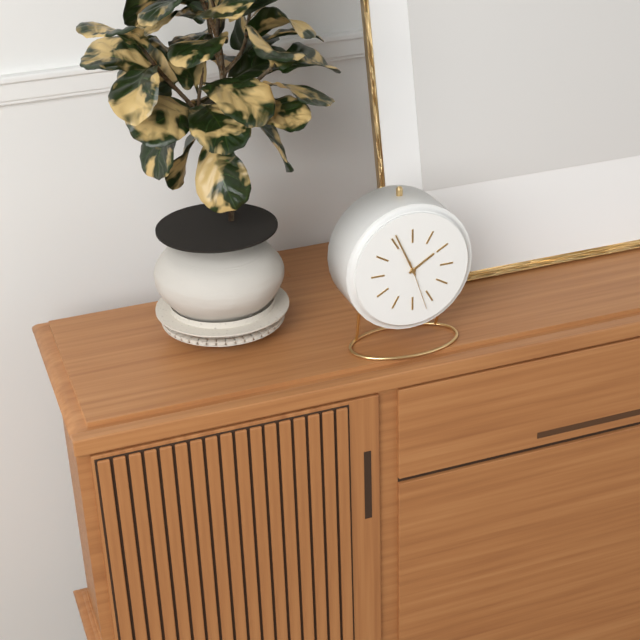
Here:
1,56,27
